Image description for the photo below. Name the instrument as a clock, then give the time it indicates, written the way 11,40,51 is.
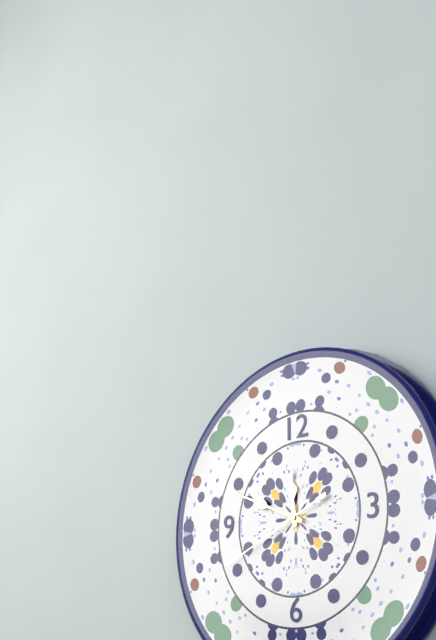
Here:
11,49,41
